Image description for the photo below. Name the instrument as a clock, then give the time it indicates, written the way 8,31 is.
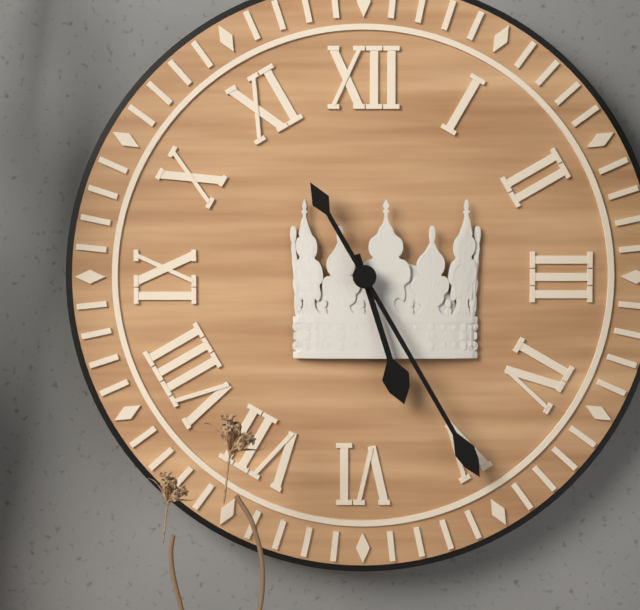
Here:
5,25
